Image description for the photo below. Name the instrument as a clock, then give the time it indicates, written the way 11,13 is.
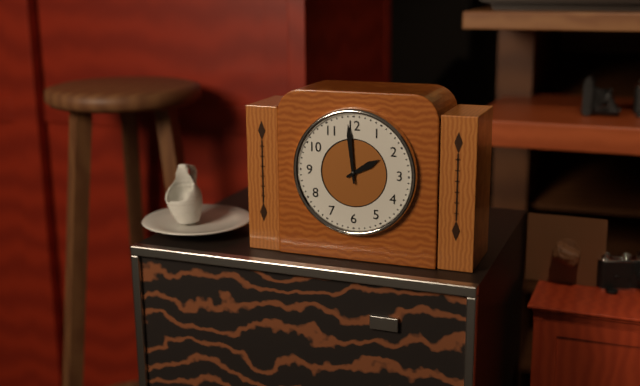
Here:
1,59
